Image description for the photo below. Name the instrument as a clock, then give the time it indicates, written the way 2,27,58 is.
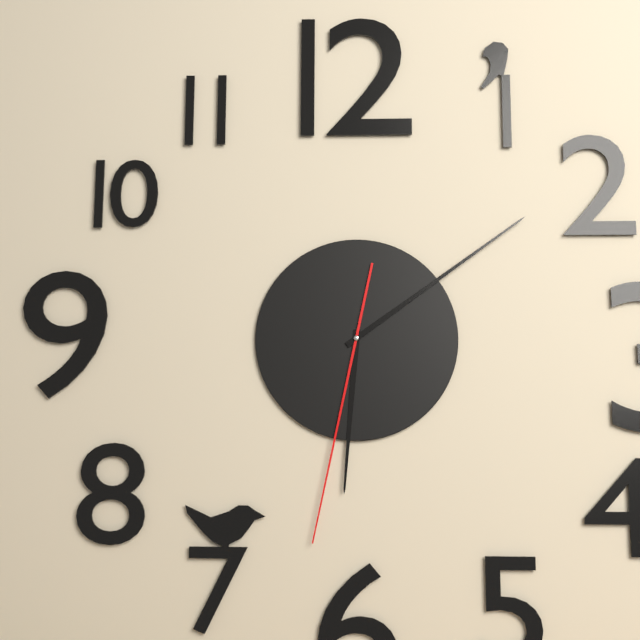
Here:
6,09,32
